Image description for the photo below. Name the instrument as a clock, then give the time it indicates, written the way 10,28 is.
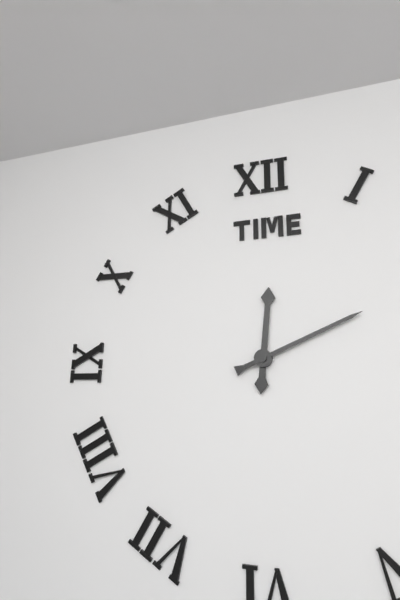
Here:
12,11
